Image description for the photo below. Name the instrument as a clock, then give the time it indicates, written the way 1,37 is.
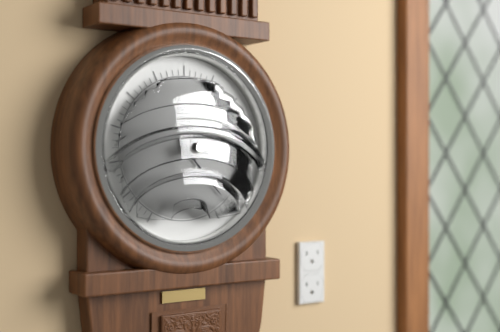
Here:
3,23
